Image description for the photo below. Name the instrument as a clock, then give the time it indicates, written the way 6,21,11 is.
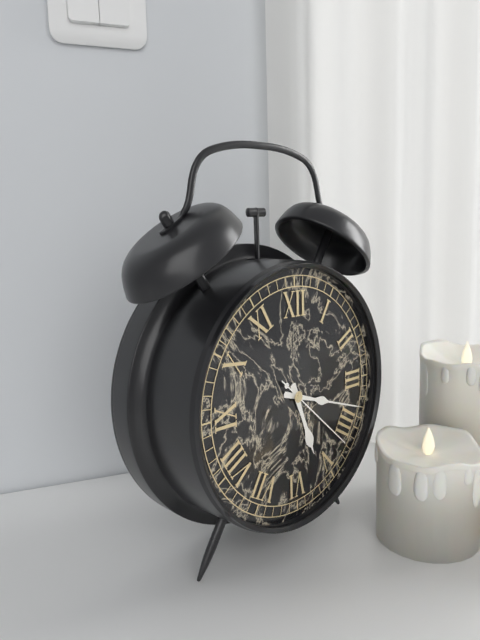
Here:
5,18,22
